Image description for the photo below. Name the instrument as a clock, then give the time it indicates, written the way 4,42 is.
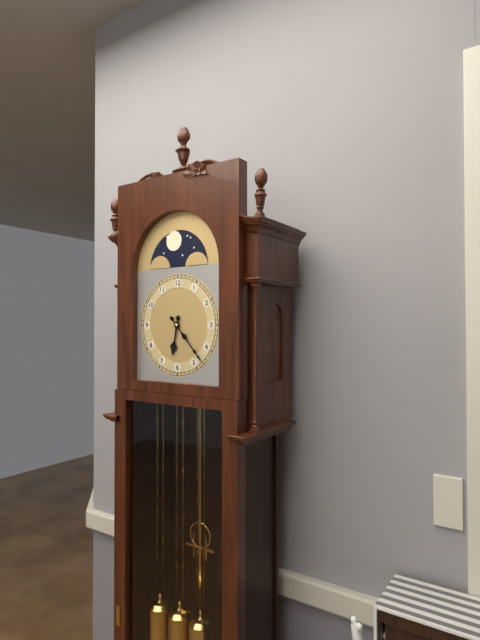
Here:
6,23
